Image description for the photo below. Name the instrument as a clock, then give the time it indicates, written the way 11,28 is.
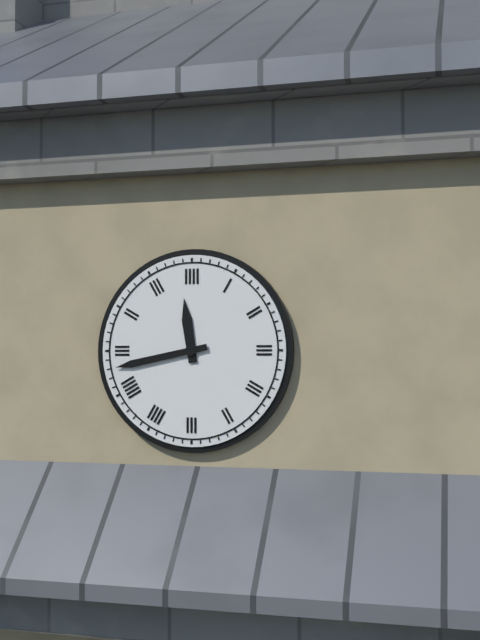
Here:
11,43
